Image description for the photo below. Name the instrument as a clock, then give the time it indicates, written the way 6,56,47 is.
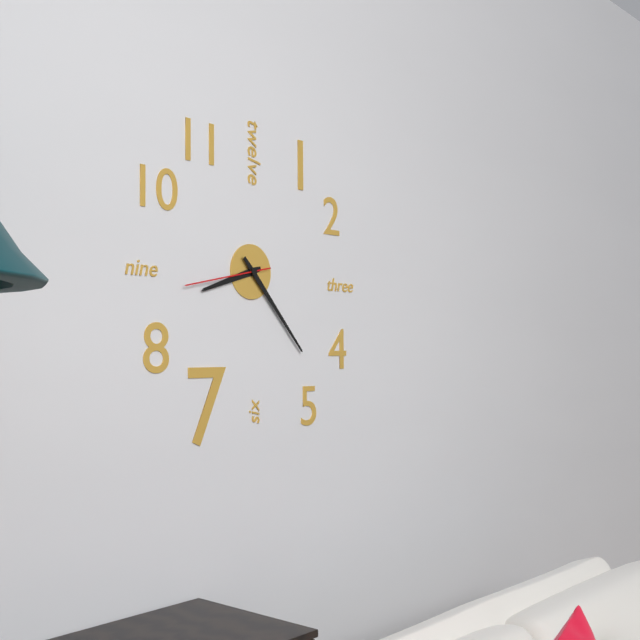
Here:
8,23,43
